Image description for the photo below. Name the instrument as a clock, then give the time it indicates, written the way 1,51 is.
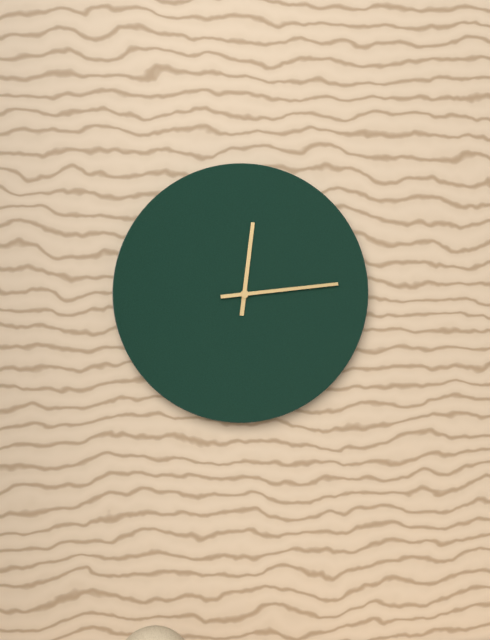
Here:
12,14
